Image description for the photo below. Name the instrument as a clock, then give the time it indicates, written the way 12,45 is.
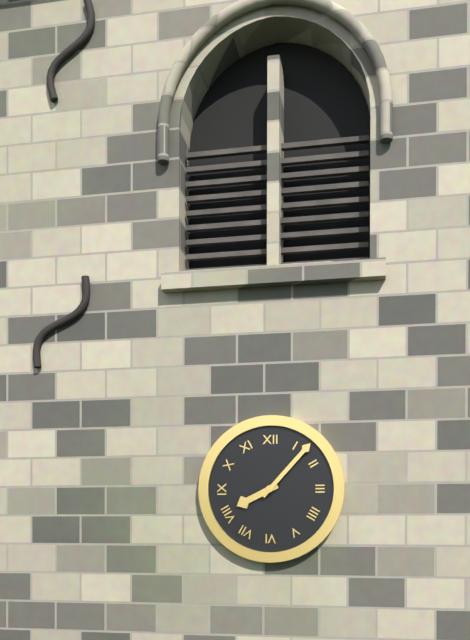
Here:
8,07
